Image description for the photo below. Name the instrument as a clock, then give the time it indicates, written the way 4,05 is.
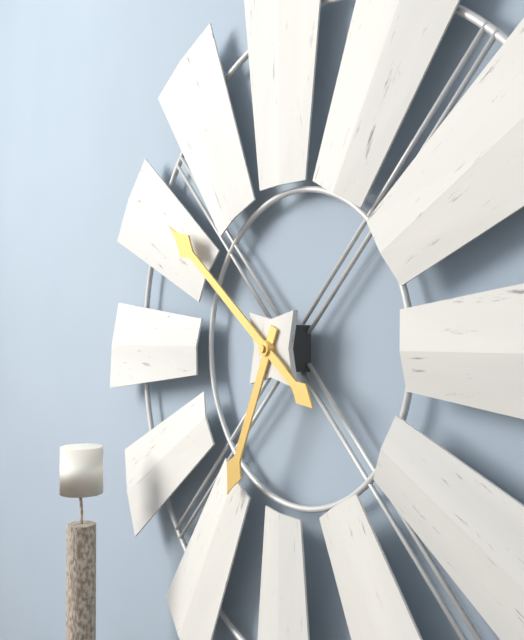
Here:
6,51
